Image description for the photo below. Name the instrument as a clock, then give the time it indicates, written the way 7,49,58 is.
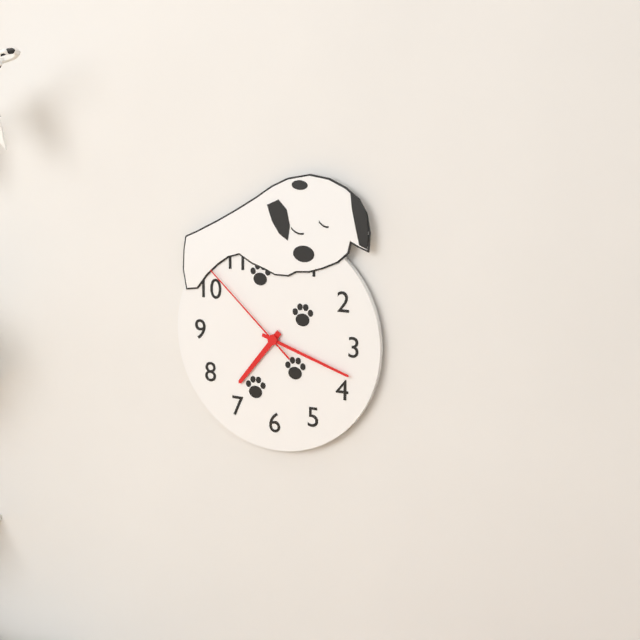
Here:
7,18,52
